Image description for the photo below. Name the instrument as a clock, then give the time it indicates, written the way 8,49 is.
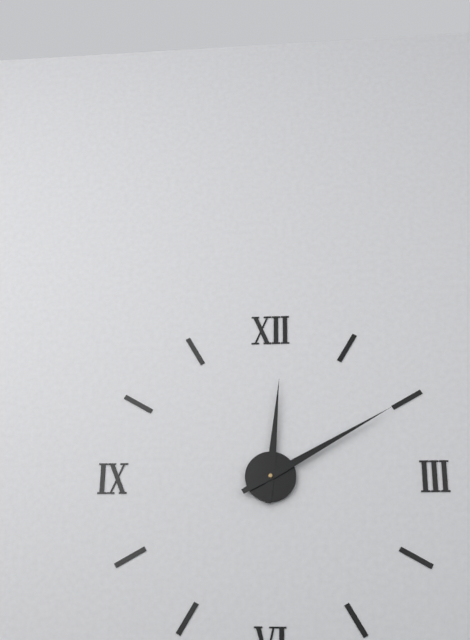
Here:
12,10
